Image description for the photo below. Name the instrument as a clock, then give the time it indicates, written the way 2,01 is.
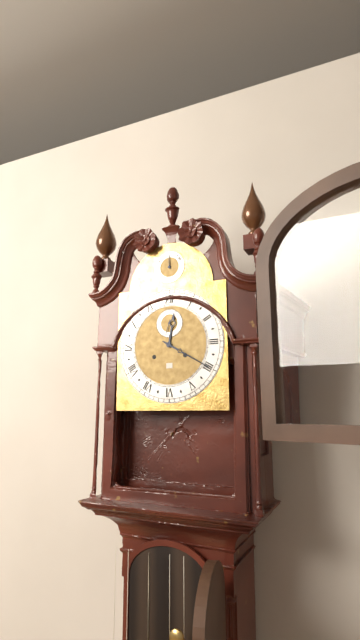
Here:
12,20
